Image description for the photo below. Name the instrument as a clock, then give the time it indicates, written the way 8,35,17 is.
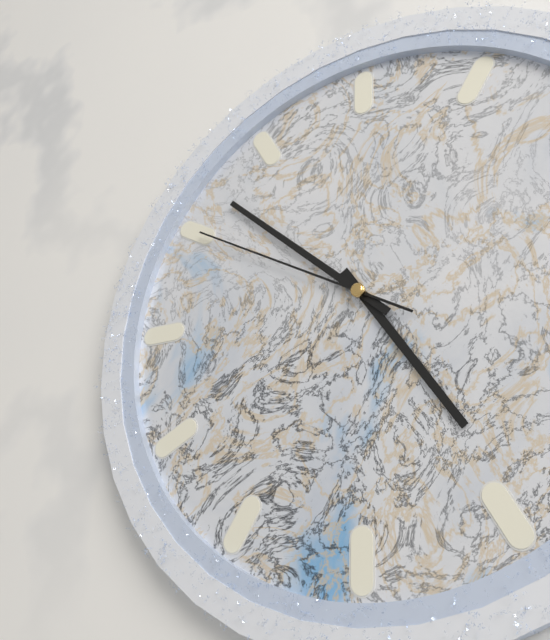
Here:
4,52,50
